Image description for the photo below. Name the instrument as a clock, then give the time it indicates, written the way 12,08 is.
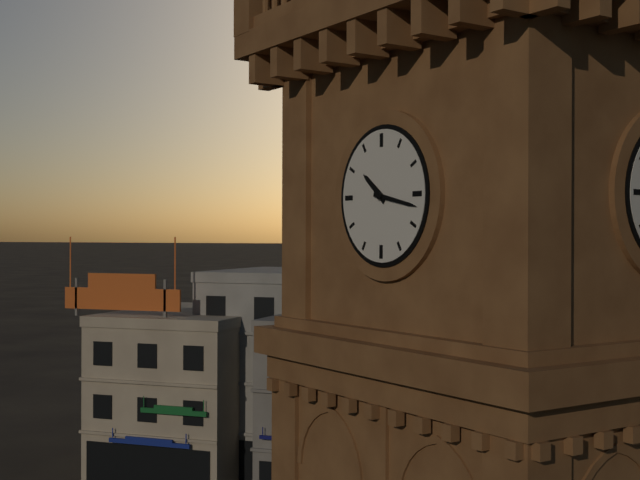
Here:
10,17
